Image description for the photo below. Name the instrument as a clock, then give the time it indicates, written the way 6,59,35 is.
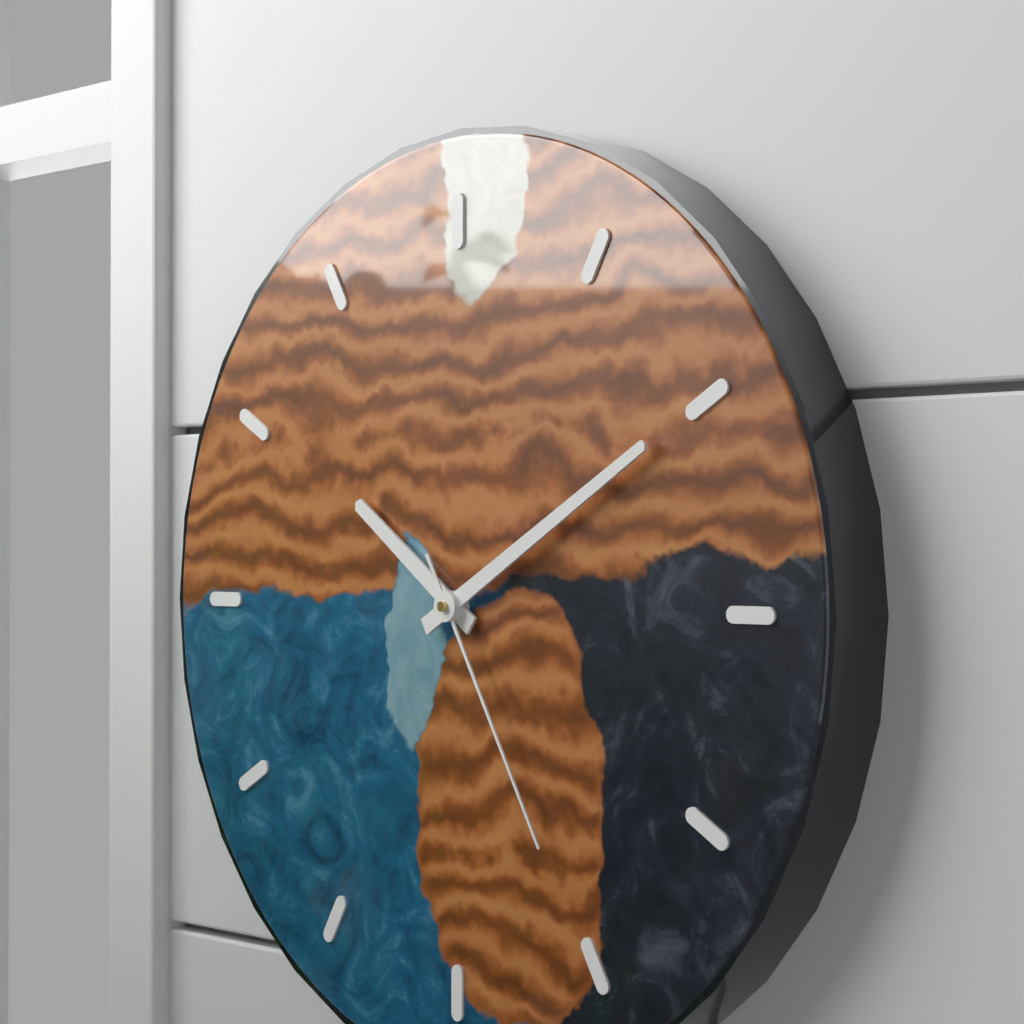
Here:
10,10,25
